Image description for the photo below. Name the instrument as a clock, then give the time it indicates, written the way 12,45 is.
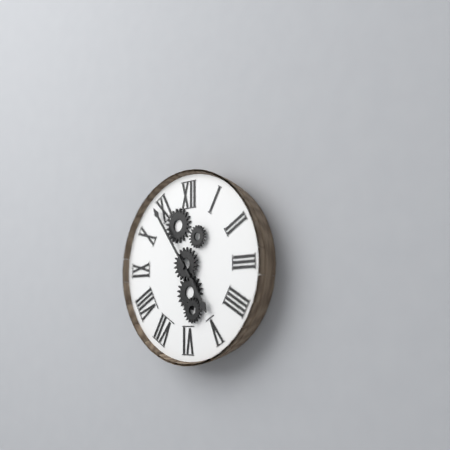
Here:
4,54
